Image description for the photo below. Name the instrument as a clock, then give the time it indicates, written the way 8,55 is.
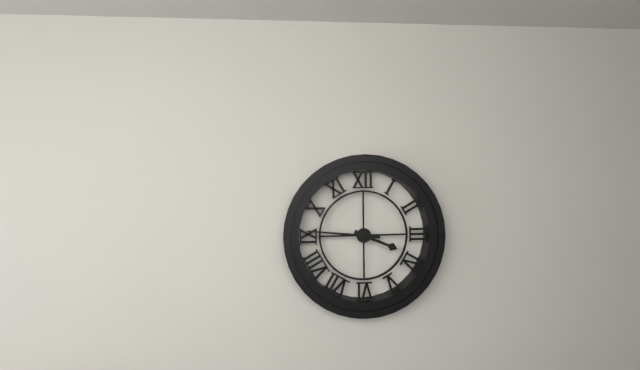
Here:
3,46
